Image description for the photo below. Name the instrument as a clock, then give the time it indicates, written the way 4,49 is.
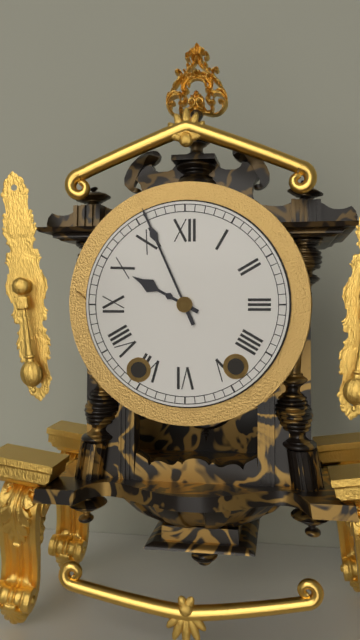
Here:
9,56
